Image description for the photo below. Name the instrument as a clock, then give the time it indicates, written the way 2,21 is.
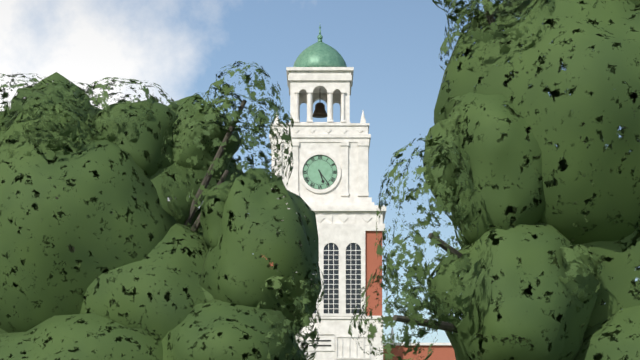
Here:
5,24
